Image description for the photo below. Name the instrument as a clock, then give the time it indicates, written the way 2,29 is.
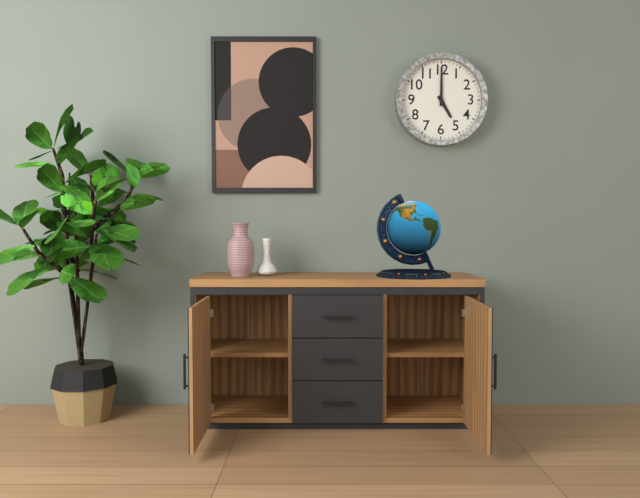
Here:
5,00
